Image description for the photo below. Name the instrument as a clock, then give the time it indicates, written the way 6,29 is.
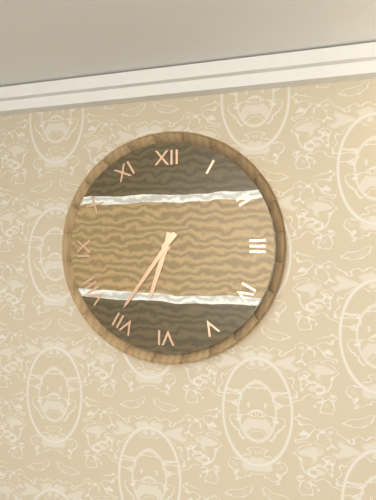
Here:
6,36
